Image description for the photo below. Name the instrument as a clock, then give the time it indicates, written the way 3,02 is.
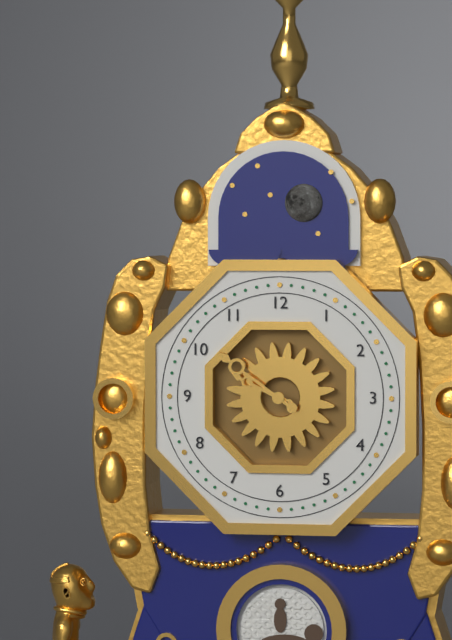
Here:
9,51
